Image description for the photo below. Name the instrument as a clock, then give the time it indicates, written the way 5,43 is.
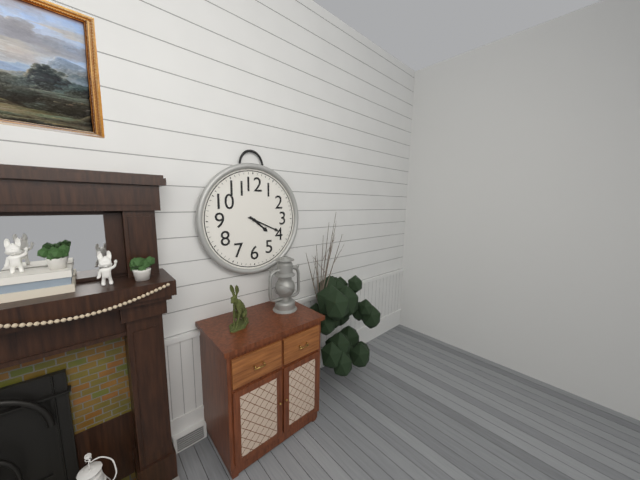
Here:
4,19
